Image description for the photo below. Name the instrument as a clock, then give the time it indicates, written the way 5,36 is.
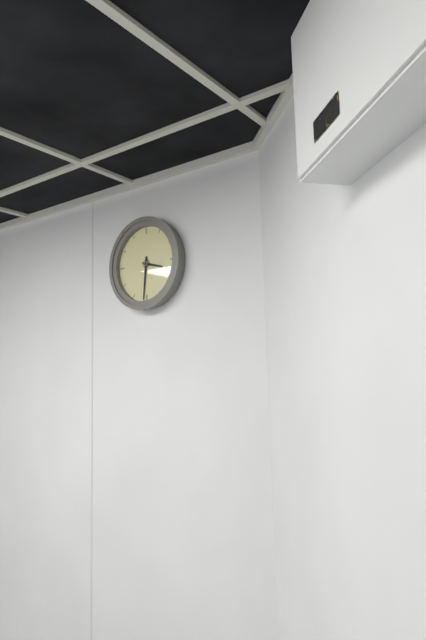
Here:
3,31
